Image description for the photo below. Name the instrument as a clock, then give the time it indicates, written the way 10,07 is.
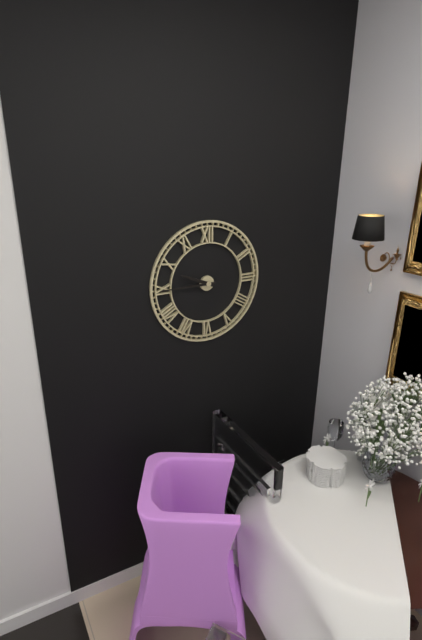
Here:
9,45
